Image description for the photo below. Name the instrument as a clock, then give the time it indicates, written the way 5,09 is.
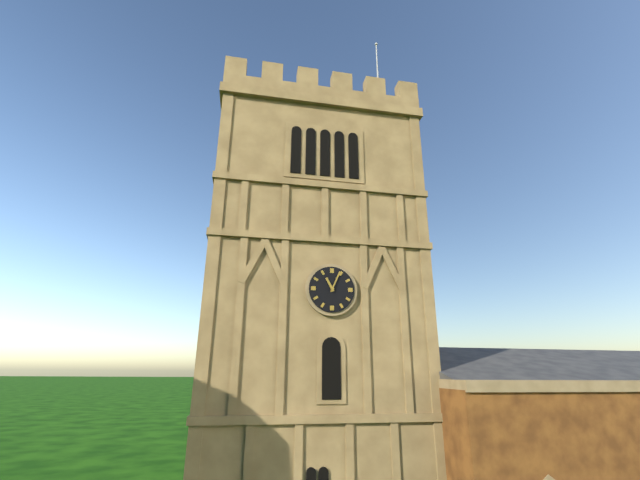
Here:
11,04
